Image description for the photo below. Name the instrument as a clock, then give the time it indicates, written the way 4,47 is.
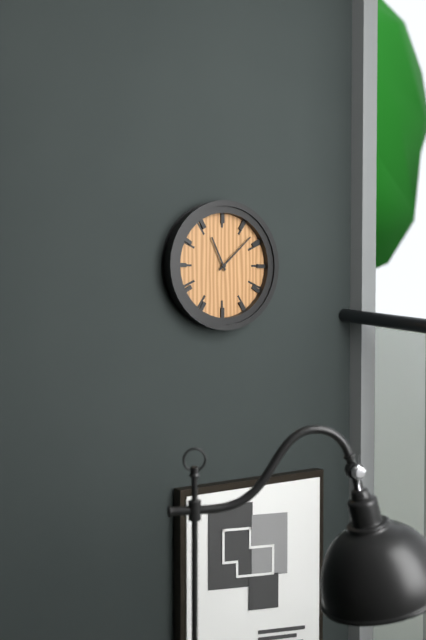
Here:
11,08
